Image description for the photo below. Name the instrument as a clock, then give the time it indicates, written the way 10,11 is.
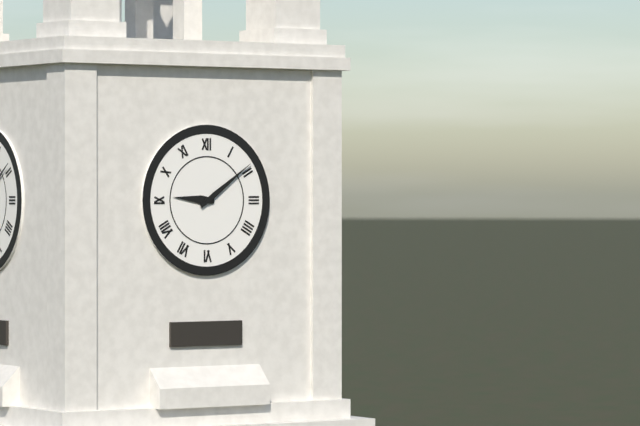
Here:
9,09
